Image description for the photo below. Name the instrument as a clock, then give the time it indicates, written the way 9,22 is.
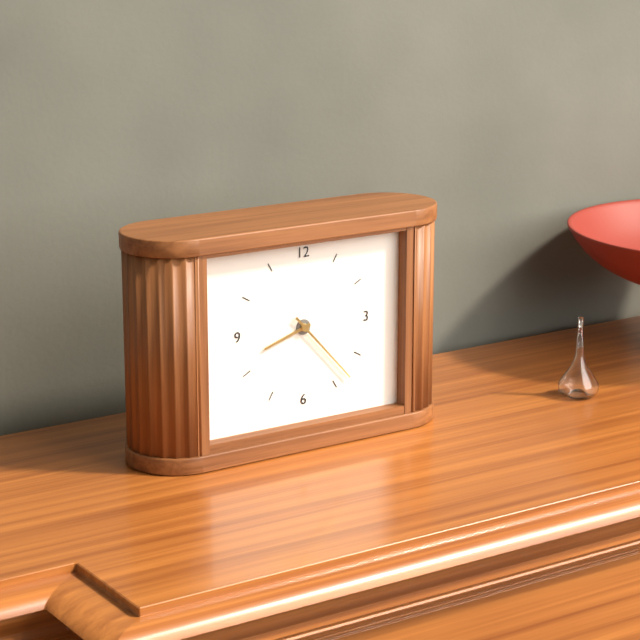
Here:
8,23
